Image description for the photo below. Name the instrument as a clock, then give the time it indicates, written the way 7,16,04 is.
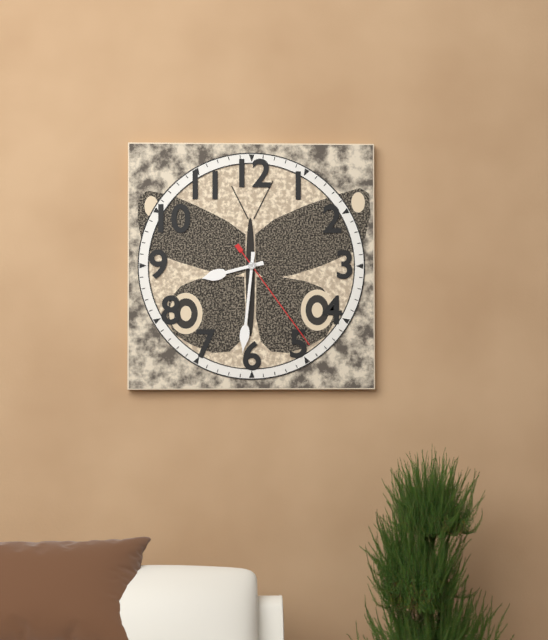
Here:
8,31,24
